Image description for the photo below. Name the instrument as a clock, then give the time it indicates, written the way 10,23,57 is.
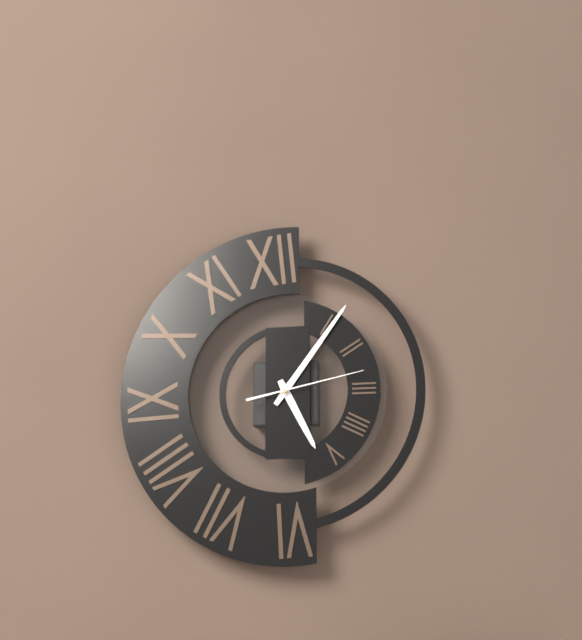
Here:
5,06,13
